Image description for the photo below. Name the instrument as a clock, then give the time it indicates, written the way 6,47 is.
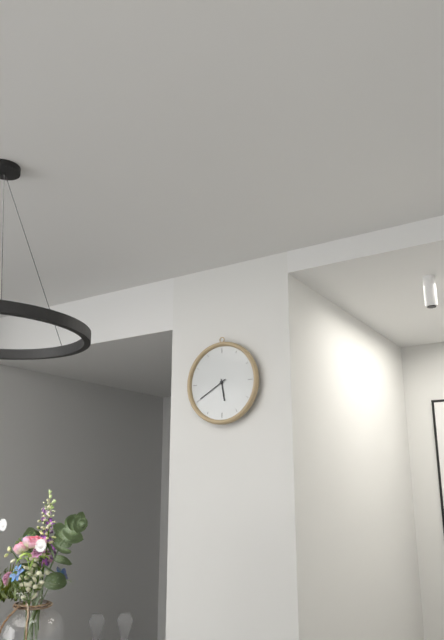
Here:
5,40
